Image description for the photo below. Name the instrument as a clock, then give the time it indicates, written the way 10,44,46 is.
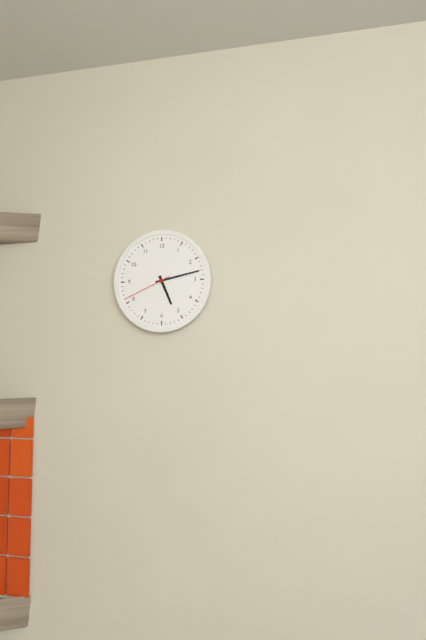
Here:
5,13,41
